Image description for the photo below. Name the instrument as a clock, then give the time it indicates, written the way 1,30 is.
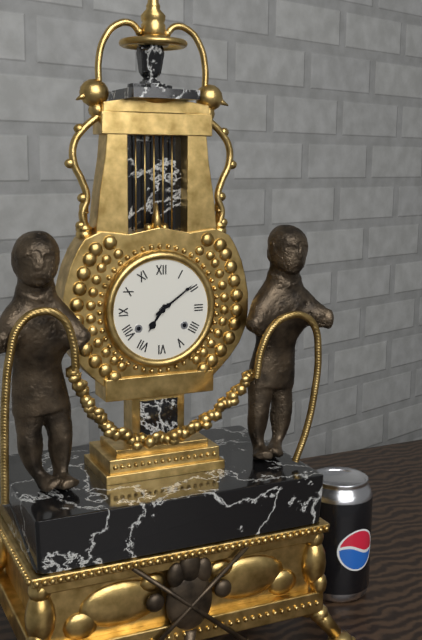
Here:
7,09
